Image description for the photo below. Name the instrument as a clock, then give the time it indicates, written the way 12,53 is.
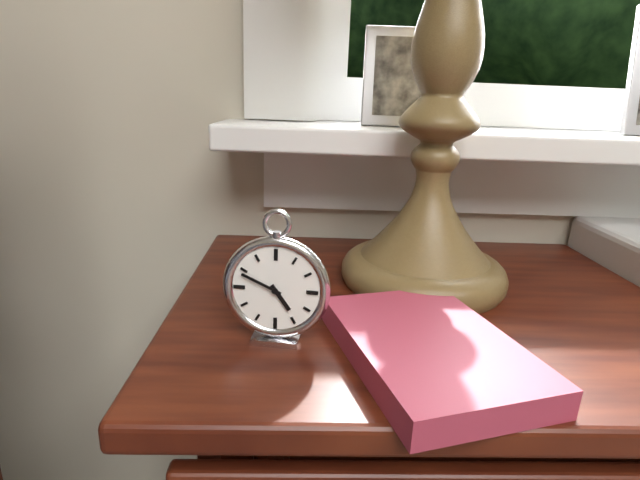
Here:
4,49
